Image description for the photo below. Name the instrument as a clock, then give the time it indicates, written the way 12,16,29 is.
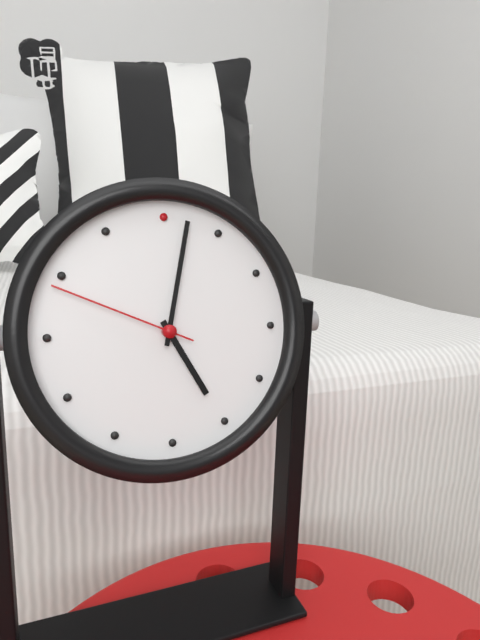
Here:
5,02,49
